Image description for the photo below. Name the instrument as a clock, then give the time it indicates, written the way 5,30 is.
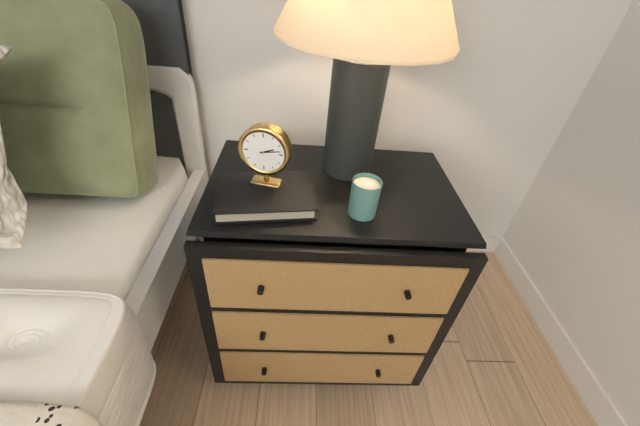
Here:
2,13
